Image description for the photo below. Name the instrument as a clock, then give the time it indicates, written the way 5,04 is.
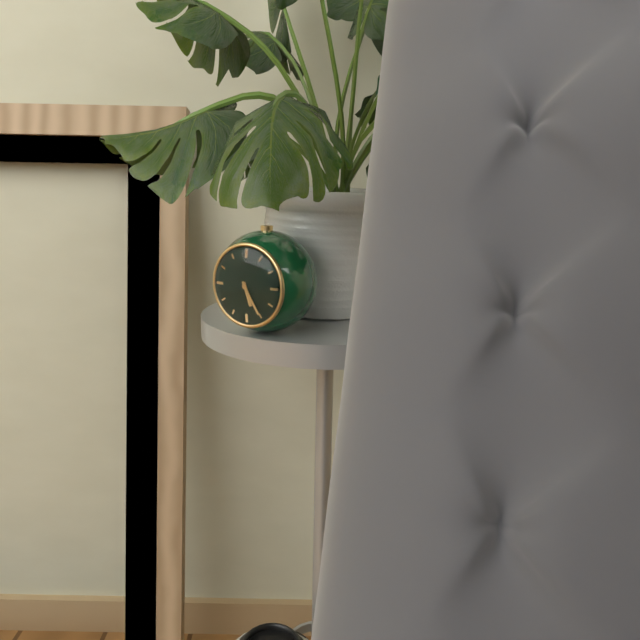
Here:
5,25
